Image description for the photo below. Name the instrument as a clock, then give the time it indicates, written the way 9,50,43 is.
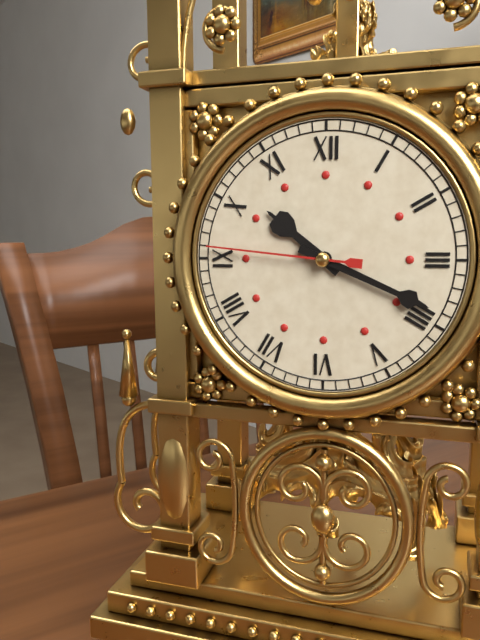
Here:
10,19,46
